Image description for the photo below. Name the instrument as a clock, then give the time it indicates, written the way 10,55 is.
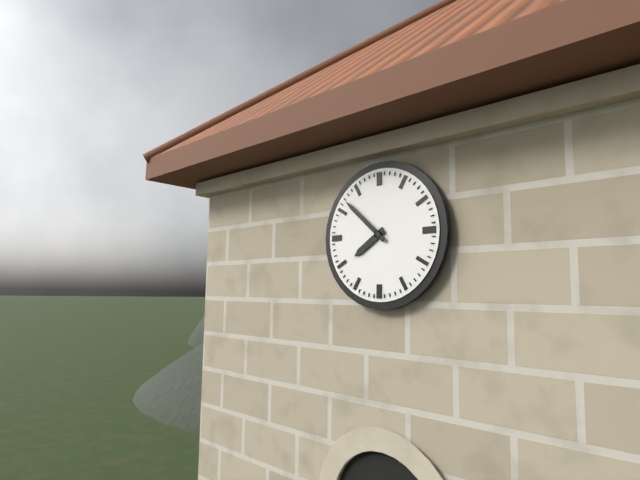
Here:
7,52
